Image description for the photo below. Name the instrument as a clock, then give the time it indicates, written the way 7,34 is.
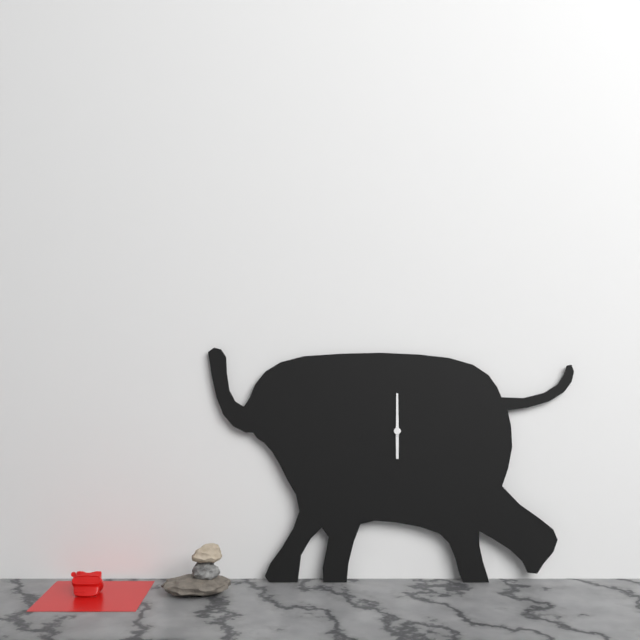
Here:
6,00
